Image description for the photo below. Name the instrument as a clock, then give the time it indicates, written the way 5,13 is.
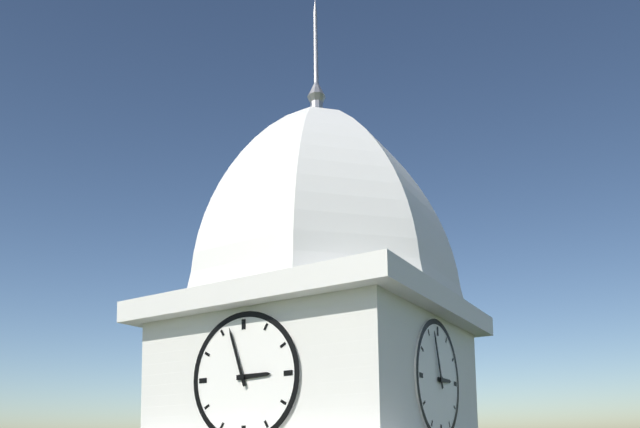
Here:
2,57
